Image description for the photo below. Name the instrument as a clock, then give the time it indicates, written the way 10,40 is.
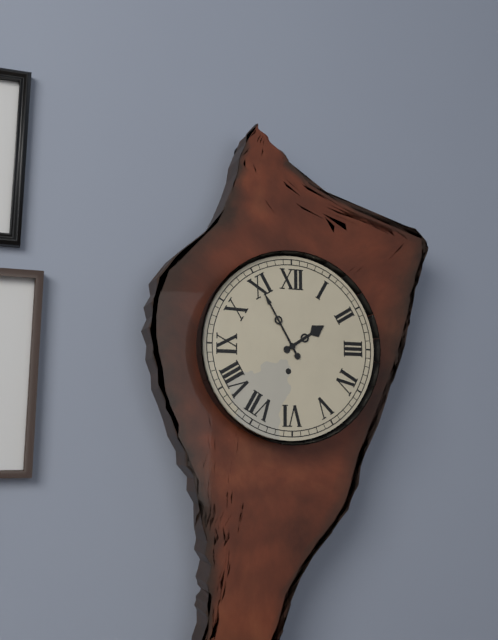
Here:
1,55
